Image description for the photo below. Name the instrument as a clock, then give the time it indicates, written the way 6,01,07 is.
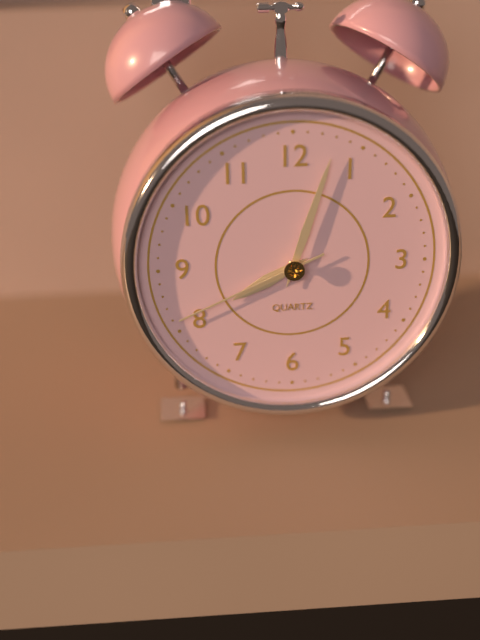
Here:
8,03,41
